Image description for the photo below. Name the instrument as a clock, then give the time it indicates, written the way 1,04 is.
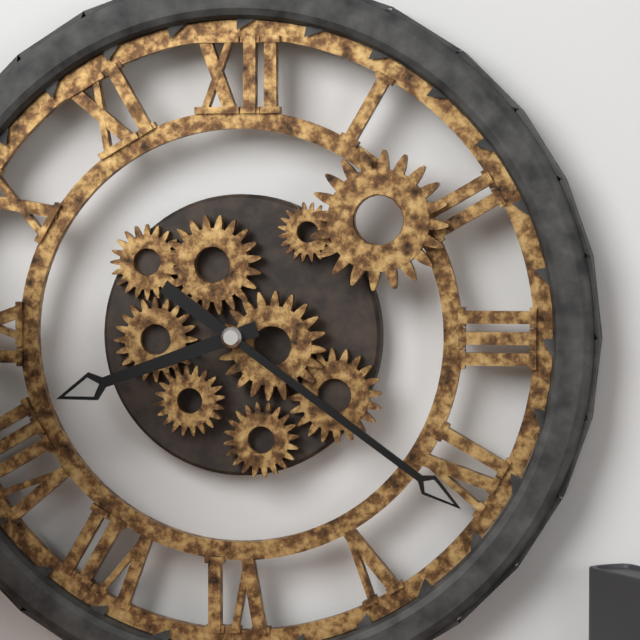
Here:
8,21
